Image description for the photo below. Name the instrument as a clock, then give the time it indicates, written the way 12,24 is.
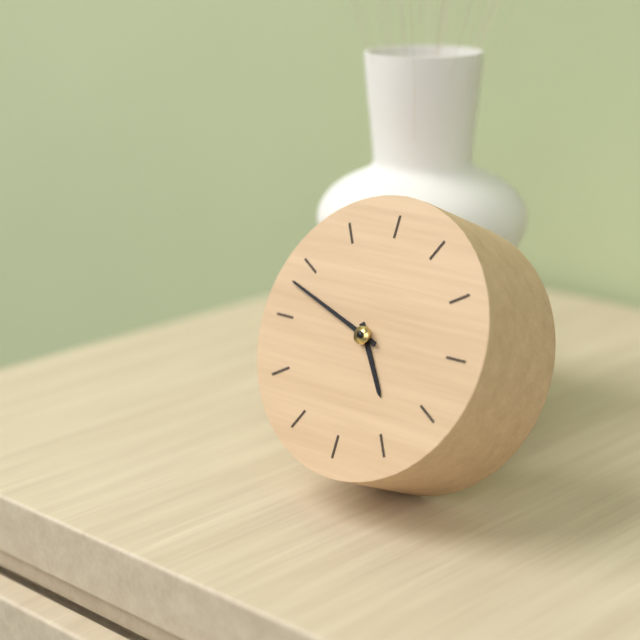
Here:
4,48
